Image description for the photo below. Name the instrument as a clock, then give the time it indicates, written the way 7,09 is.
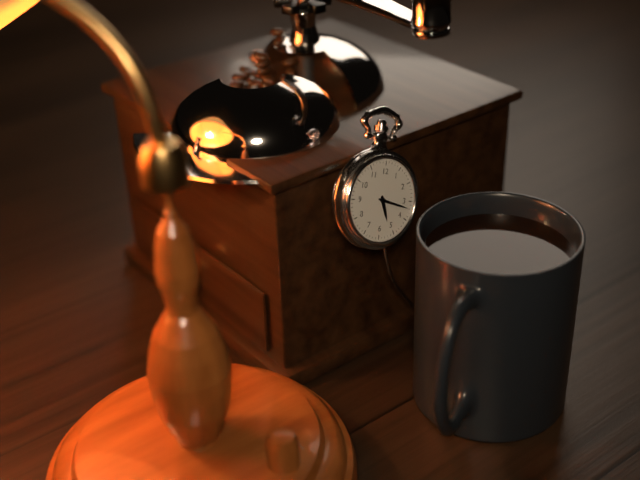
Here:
5,17
